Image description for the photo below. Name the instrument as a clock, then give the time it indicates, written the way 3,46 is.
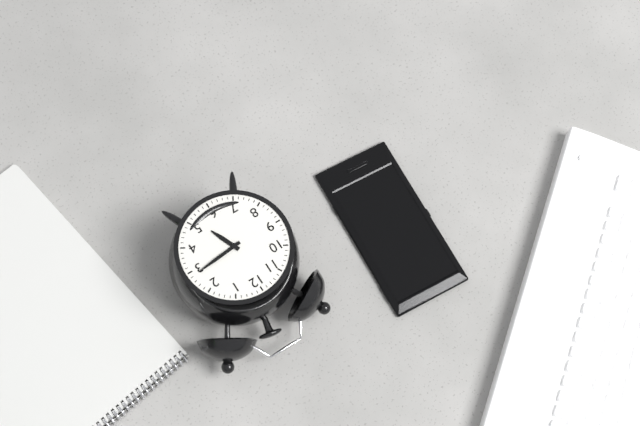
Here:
5,14
